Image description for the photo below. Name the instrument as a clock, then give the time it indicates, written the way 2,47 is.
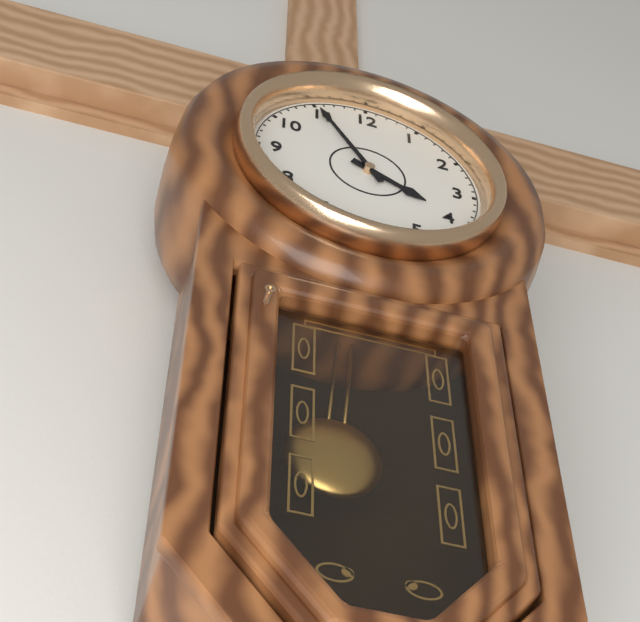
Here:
3,55
